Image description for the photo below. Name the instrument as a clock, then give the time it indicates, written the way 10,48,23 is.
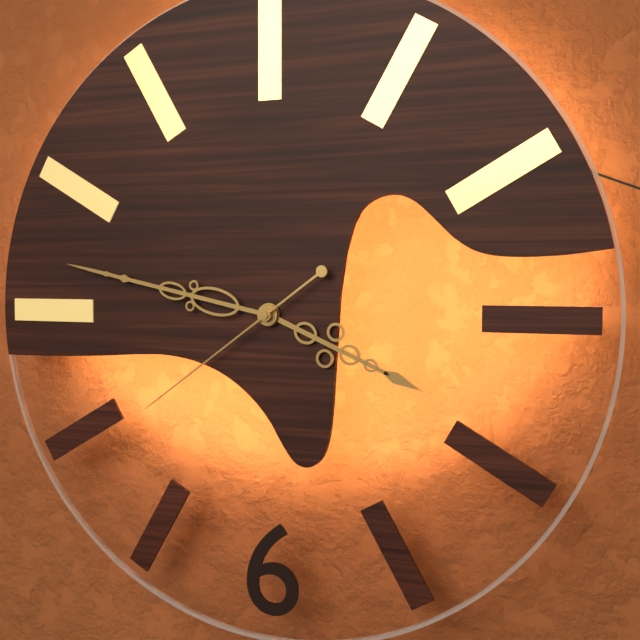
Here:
3,47,39
